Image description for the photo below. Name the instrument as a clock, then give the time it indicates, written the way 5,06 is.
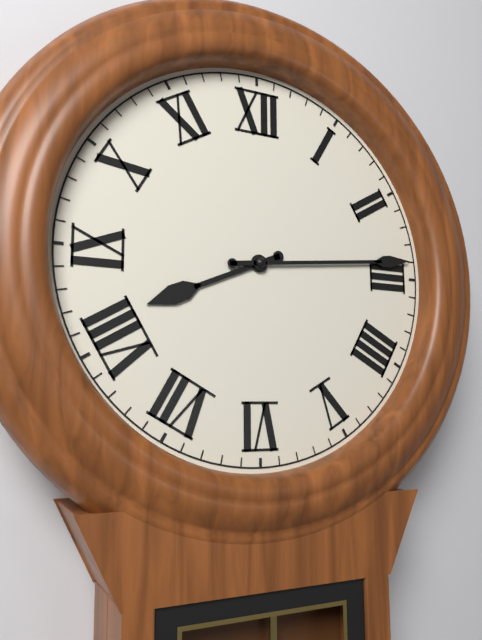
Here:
8,14
